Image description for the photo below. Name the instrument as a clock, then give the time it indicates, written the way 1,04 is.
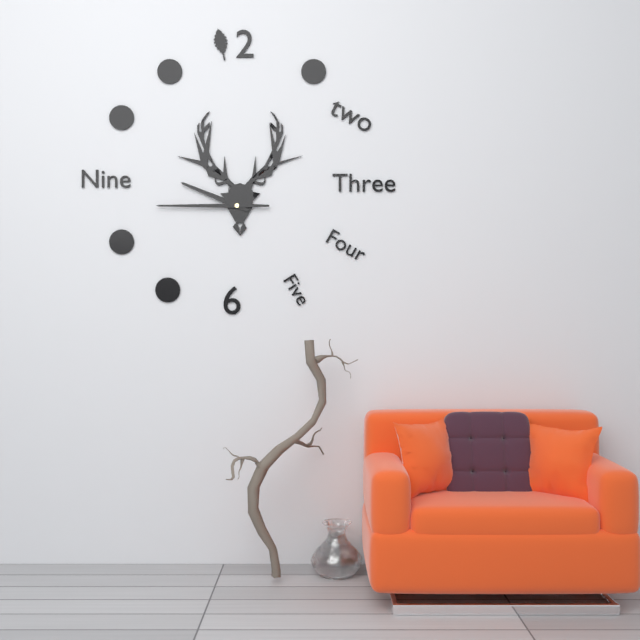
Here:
9,45
